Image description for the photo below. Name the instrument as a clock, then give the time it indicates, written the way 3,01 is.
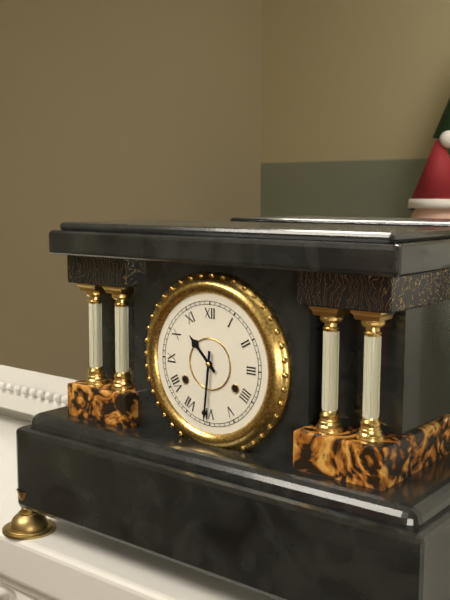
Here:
10,31
